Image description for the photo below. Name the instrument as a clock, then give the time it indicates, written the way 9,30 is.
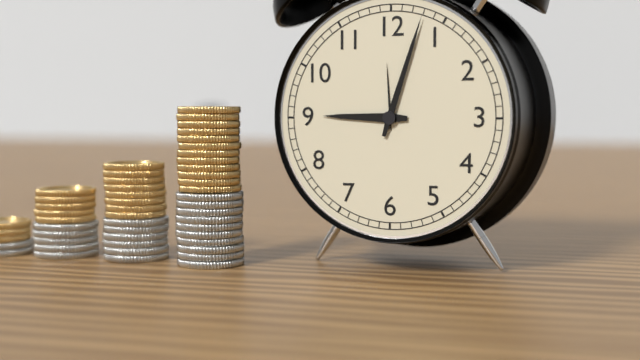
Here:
9,03
